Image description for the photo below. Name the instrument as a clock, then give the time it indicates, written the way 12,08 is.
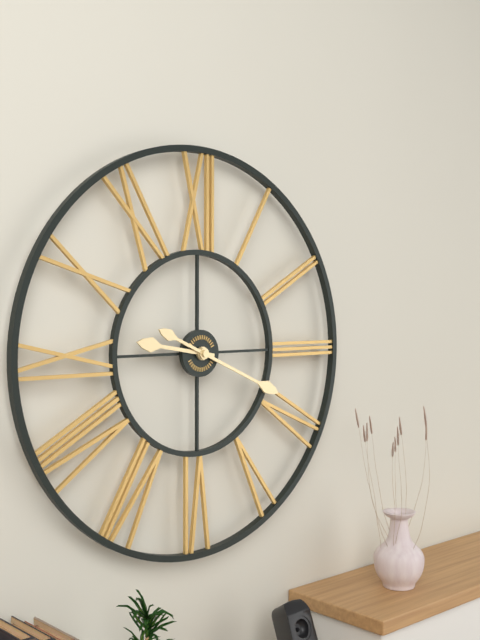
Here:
9,19
